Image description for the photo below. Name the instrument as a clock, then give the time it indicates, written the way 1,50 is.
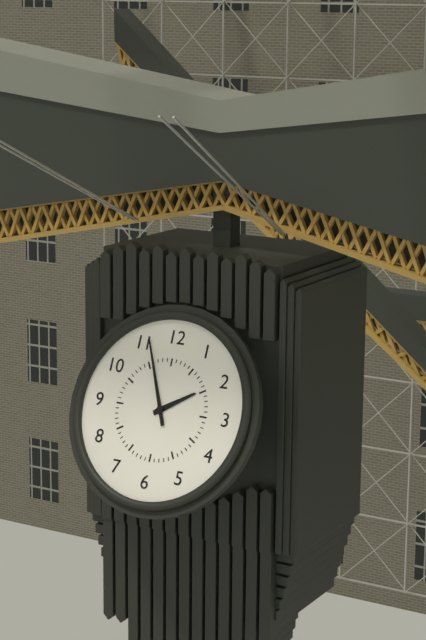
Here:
1,56
